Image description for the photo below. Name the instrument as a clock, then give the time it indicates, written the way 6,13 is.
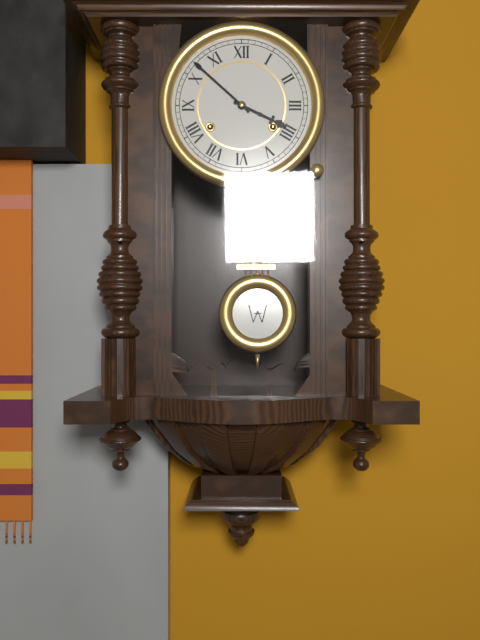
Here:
3,52
